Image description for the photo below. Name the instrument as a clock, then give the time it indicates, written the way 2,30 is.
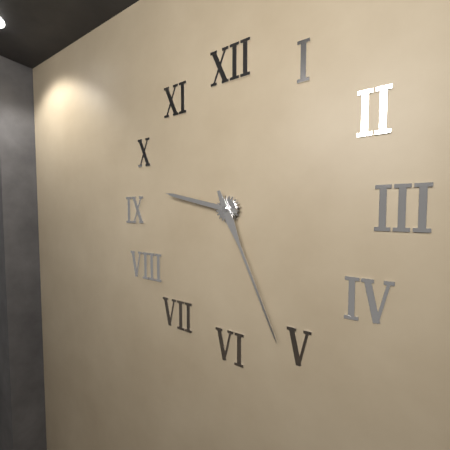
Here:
9,26
